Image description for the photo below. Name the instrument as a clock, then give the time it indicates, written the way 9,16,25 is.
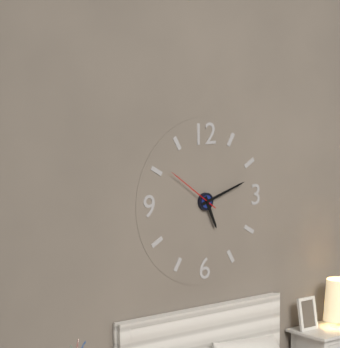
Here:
5,12,51
